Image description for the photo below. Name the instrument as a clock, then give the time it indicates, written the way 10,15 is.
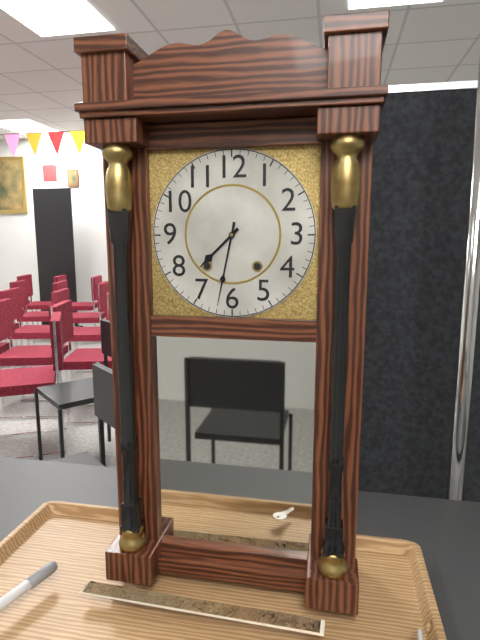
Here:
7,32
